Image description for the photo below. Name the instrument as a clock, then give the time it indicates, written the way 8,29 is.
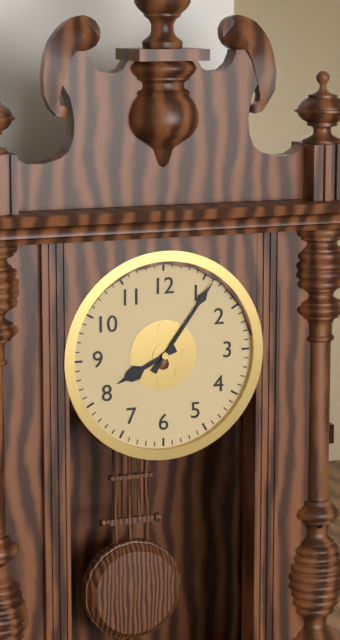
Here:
8,06
